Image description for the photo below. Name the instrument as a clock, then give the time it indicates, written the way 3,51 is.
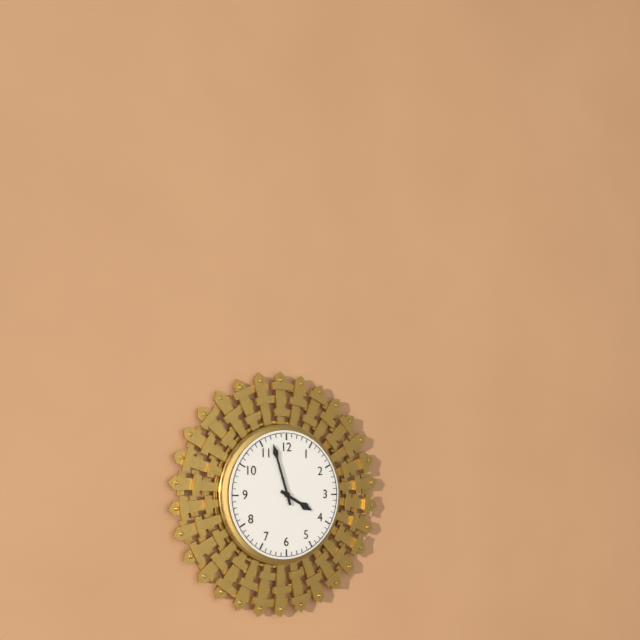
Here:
3,57
